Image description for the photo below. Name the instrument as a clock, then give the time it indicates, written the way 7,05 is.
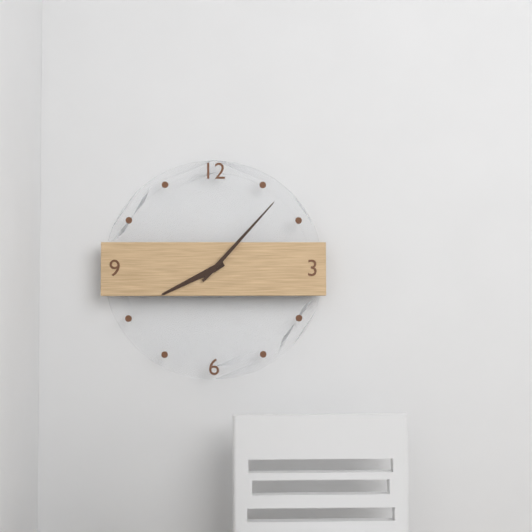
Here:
8,07
